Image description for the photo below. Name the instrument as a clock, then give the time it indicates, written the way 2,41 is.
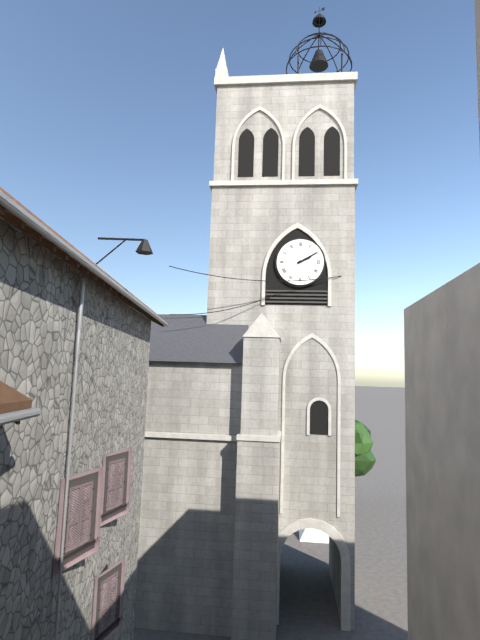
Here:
2,10
